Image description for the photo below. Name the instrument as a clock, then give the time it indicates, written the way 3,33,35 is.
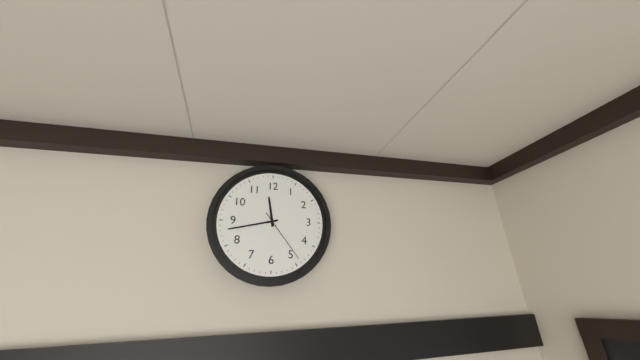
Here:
11,43,24
